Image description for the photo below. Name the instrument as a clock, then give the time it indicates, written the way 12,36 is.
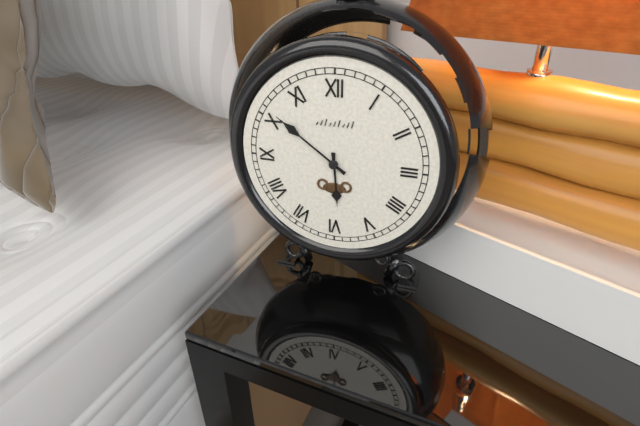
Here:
5,51
